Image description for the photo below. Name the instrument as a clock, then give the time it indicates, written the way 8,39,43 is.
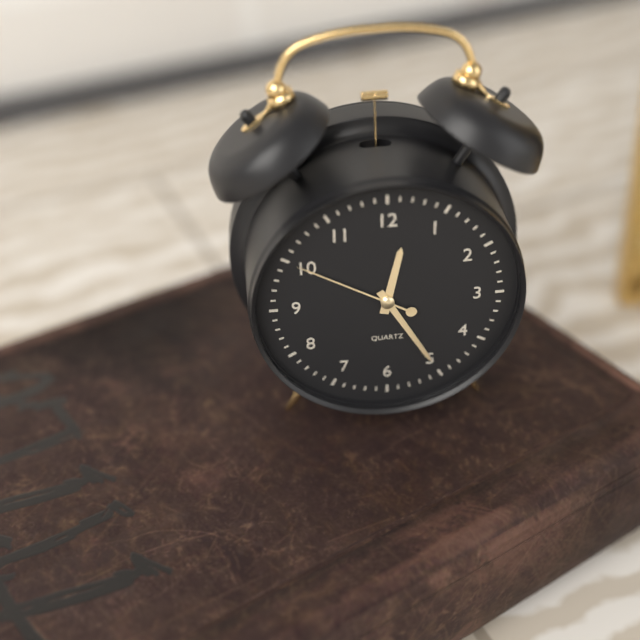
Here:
12,25,50
